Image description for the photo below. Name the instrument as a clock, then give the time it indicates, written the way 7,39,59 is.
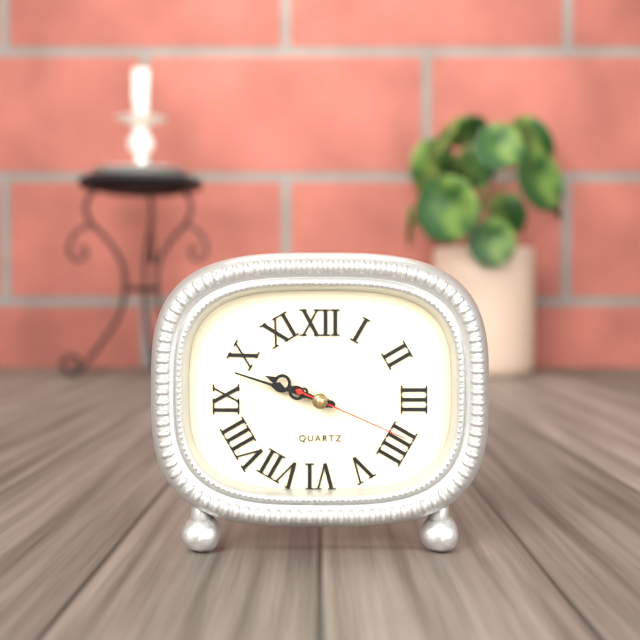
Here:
9,48,19
